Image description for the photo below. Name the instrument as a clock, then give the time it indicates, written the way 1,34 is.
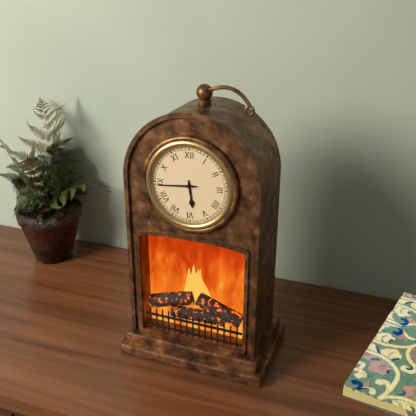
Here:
5,44
